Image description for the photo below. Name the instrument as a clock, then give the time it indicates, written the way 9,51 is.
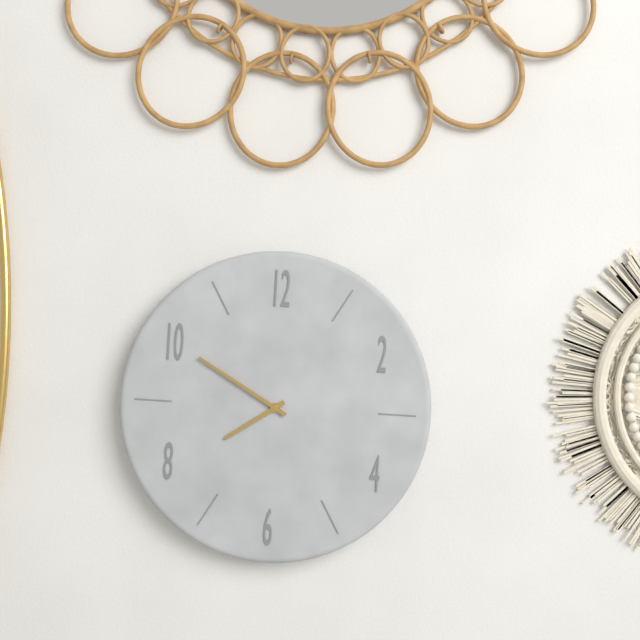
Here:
7,50
